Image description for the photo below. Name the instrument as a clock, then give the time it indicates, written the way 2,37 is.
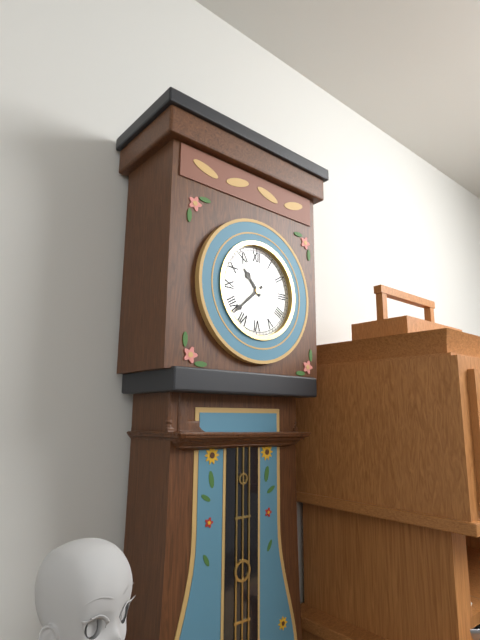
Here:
10,38
